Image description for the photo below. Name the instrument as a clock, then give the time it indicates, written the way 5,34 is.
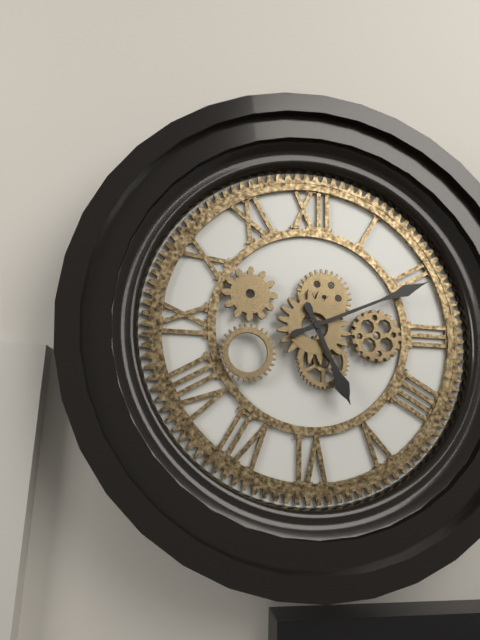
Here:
5,11
